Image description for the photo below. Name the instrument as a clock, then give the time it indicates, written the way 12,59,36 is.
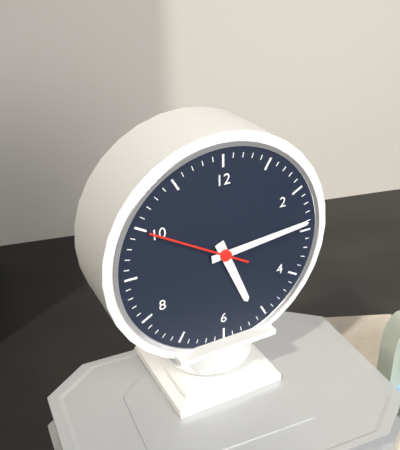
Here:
5,14,50
